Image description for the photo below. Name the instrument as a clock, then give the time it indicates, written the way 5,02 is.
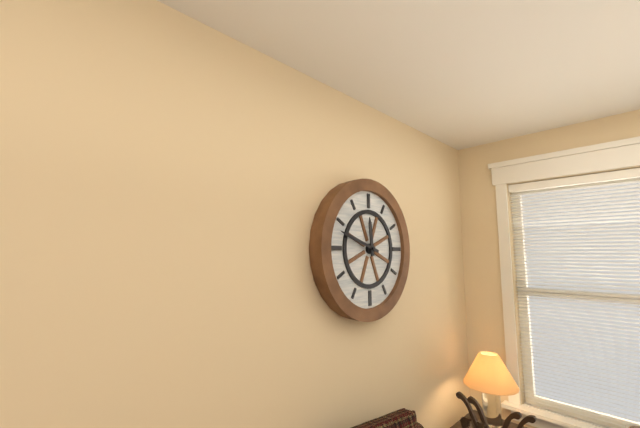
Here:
11,48
